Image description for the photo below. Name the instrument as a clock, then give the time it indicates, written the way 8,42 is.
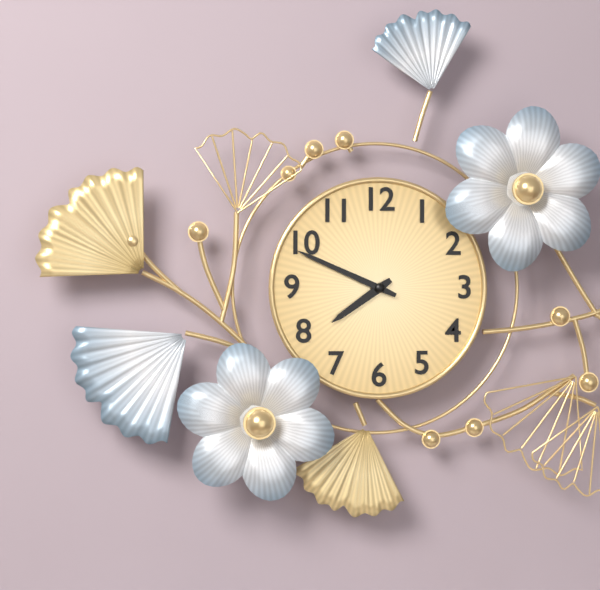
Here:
7,49
